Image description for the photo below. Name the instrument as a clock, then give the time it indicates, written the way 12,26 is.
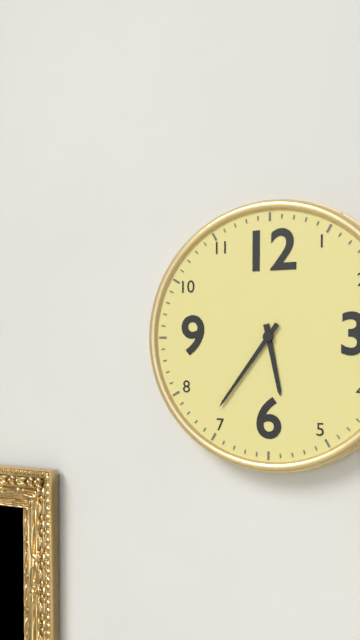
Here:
5,36
